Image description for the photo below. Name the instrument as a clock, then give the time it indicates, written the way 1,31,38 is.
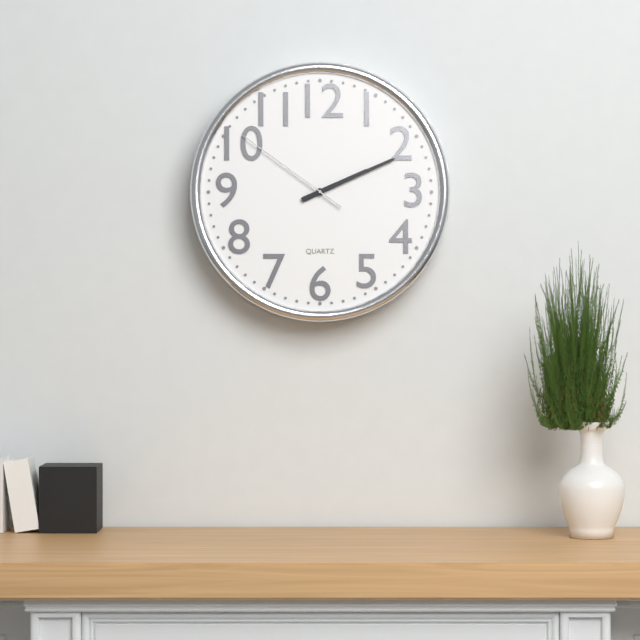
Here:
2,11,51
